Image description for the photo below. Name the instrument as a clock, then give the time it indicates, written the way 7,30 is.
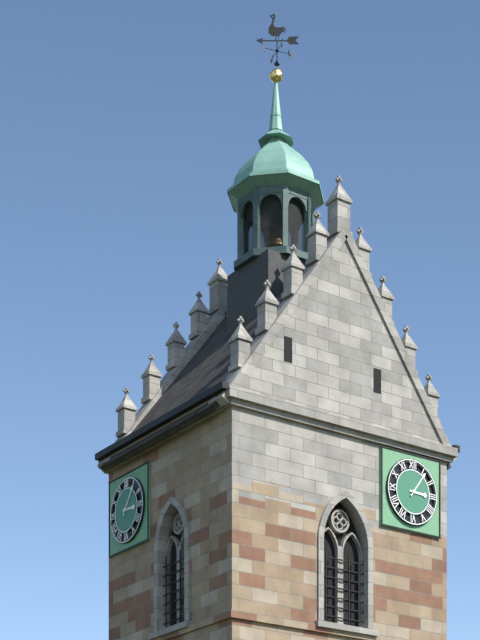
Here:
3,06
